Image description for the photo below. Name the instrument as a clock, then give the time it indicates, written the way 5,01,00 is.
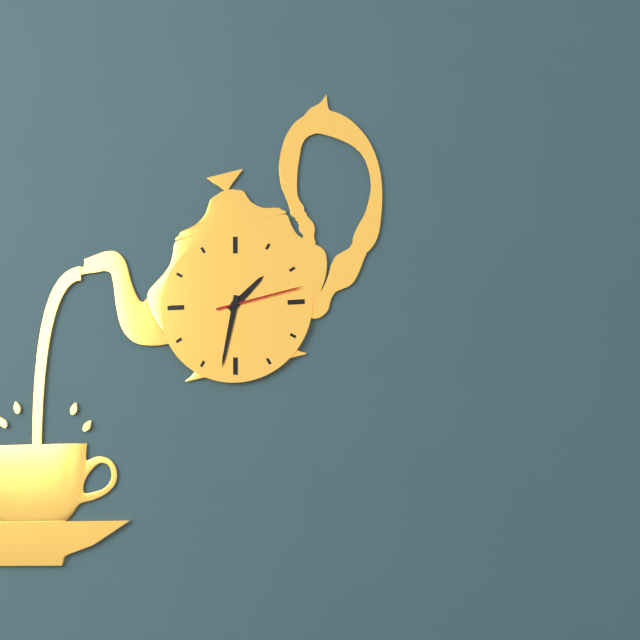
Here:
1,32,13
